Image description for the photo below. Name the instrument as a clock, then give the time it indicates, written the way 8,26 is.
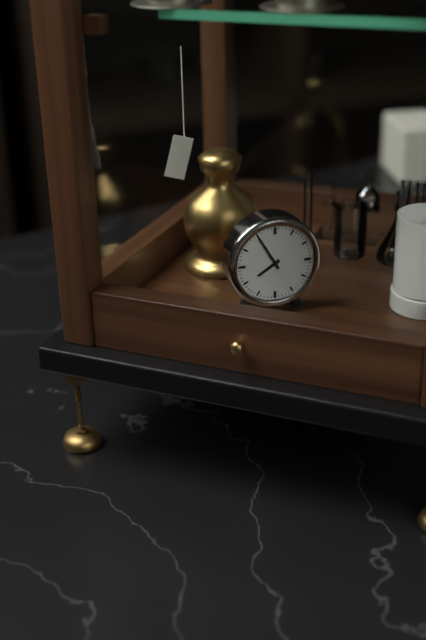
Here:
7,55
